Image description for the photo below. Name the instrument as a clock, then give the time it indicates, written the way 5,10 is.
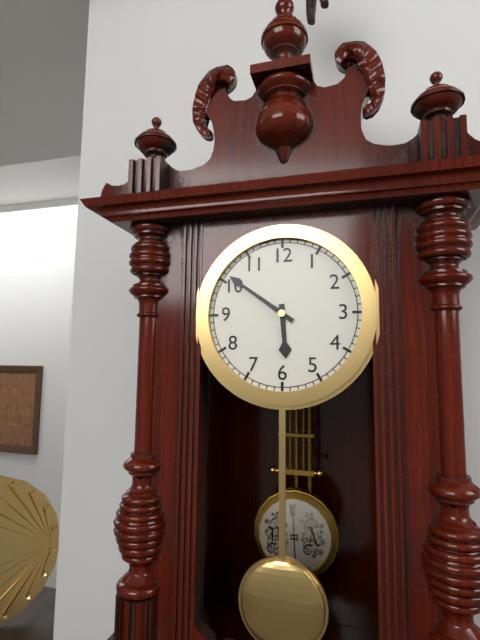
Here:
5,51
